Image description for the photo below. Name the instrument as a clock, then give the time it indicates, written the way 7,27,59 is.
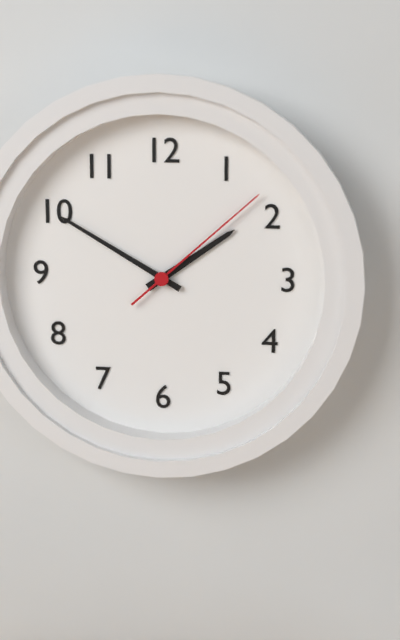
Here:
1,50,08
